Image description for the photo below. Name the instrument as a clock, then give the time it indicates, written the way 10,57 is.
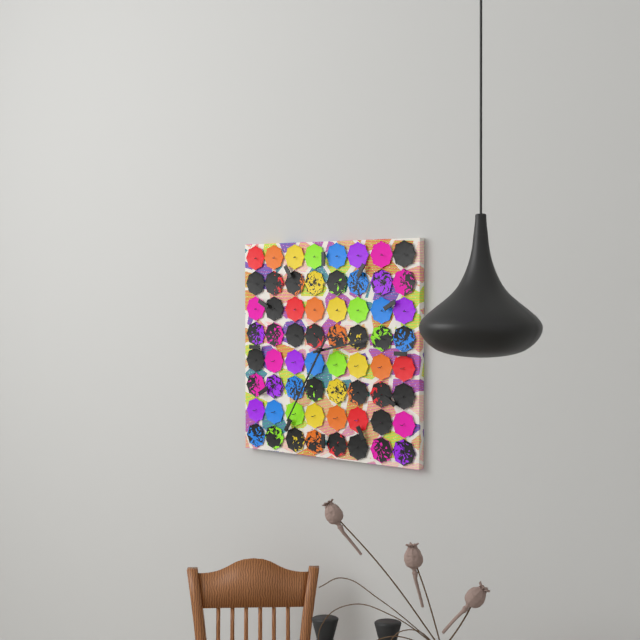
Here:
2,35
